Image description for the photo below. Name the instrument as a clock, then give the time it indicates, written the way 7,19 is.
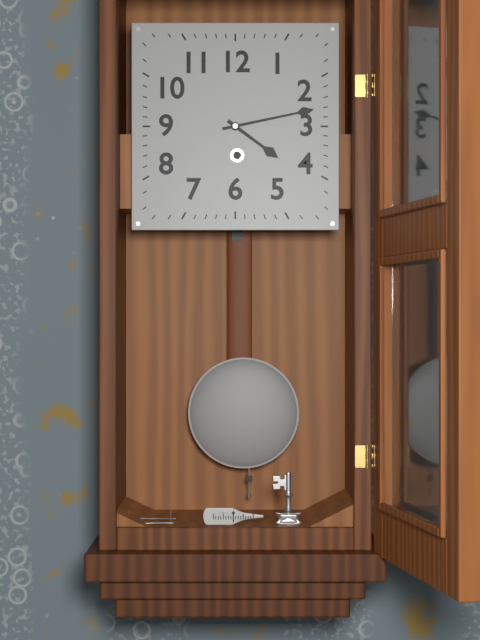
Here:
4,13
